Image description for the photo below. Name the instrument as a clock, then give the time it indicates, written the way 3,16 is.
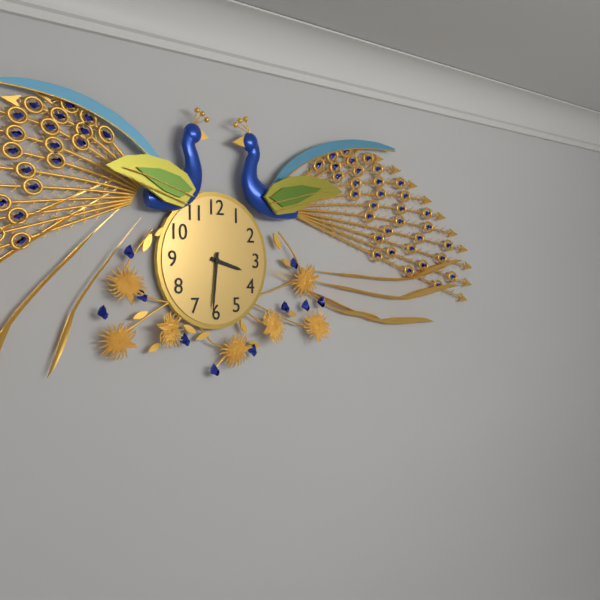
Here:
3,31
